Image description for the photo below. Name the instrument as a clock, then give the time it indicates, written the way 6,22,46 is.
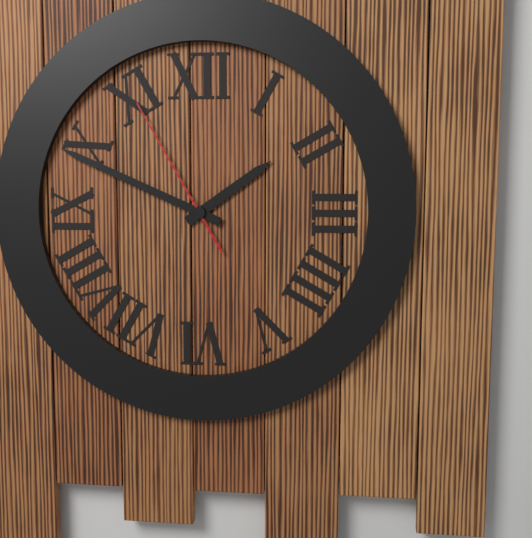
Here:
1,49,55
